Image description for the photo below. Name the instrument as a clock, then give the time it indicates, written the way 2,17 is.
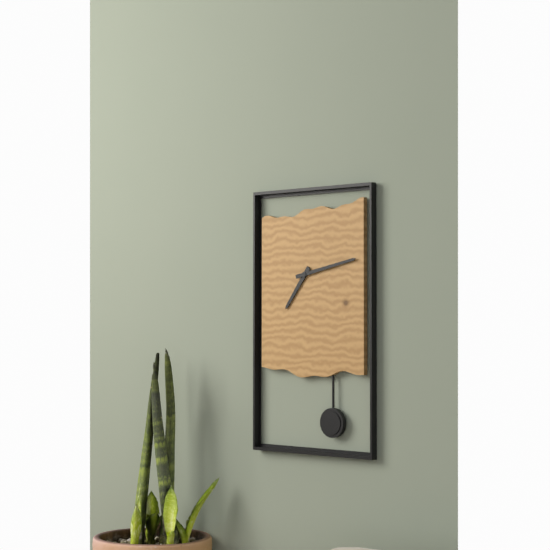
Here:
7,13
